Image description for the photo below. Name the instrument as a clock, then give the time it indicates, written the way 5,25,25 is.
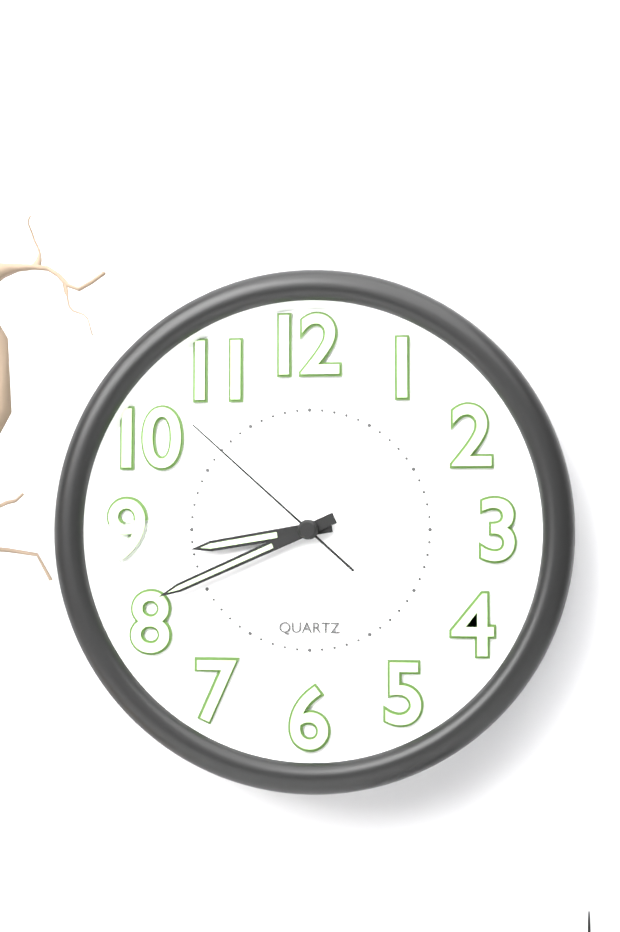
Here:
8,41,52
